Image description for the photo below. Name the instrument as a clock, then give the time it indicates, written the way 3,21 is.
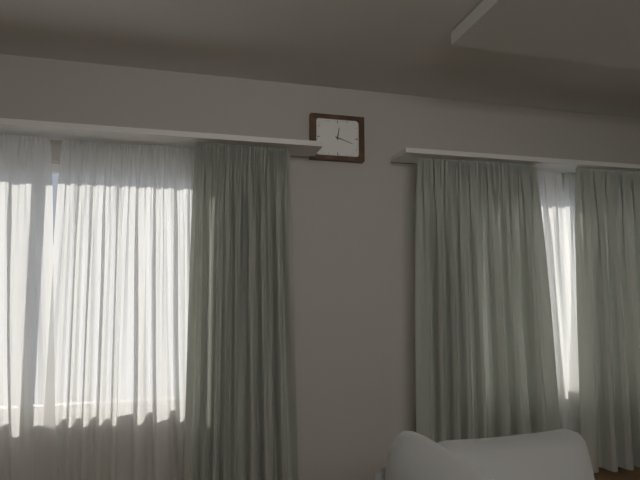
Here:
12,18
